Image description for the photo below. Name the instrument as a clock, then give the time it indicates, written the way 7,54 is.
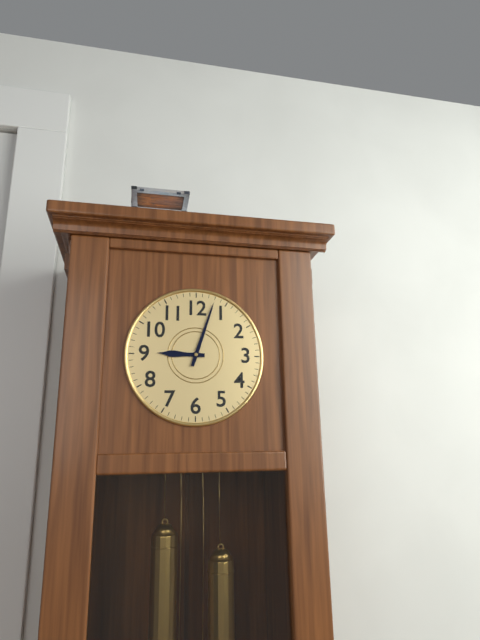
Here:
9,03
